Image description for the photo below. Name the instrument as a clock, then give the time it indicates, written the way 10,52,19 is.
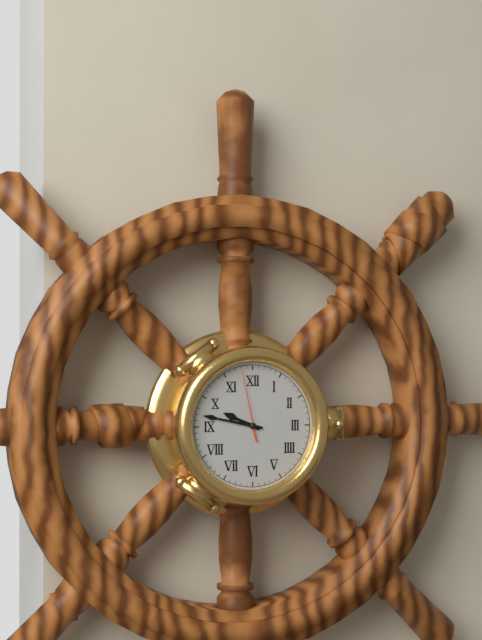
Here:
9,47,58
